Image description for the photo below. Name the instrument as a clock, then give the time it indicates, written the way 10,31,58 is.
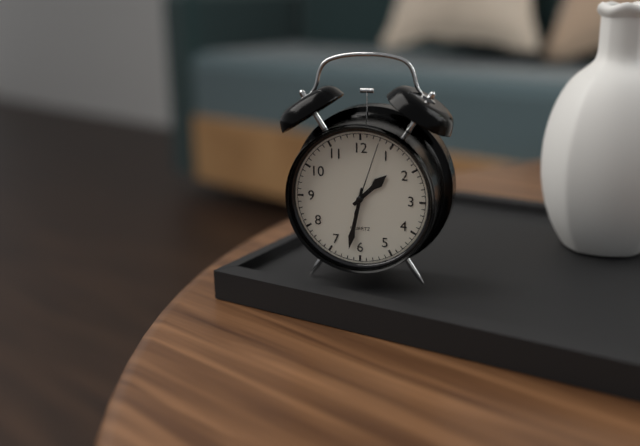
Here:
1,32,03
